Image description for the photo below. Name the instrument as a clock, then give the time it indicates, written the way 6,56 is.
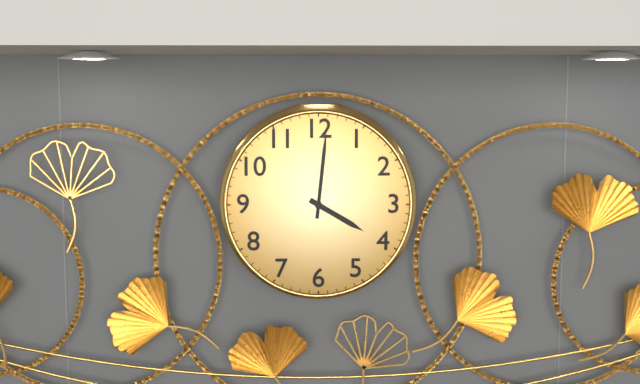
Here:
4,01
